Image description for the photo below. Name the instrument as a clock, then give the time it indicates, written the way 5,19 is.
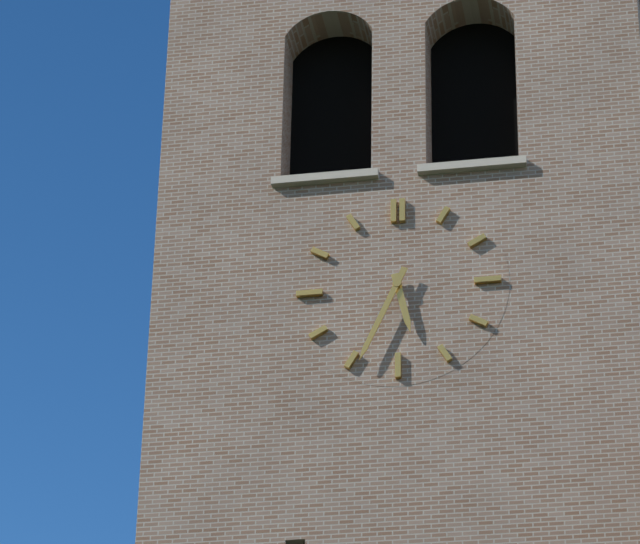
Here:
5,34
